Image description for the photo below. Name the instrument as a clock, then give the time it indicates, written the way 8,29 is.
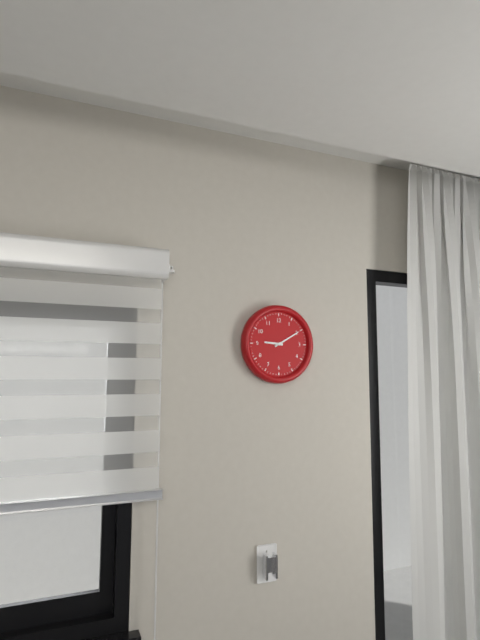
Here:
9,10
